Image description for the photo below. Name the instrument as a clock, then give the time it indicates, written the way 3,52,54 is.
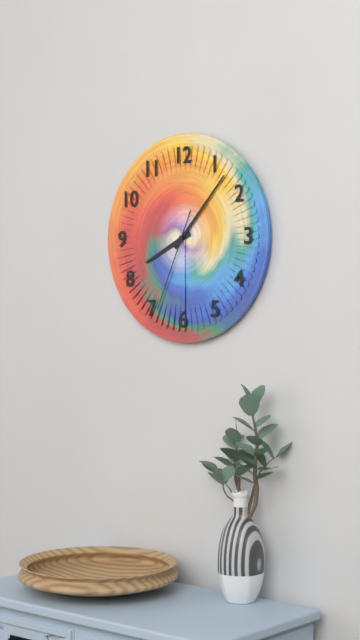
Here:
8,07,34
